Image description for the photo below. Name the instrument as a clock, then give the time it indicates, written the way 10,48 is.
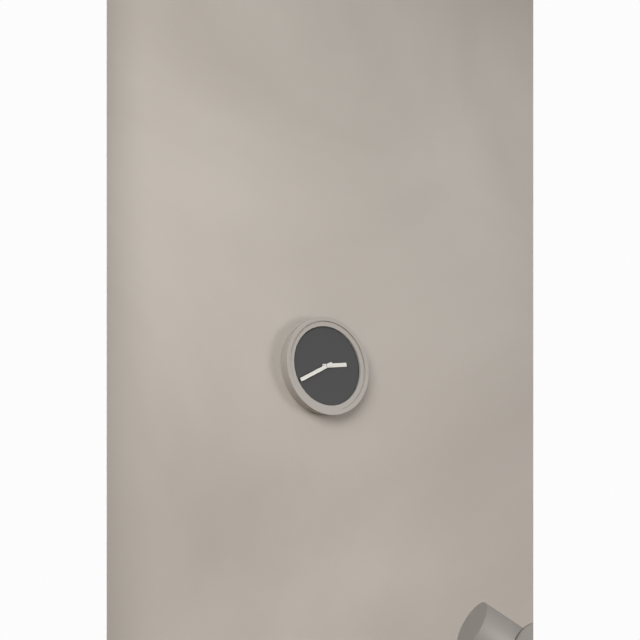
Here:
2,40
